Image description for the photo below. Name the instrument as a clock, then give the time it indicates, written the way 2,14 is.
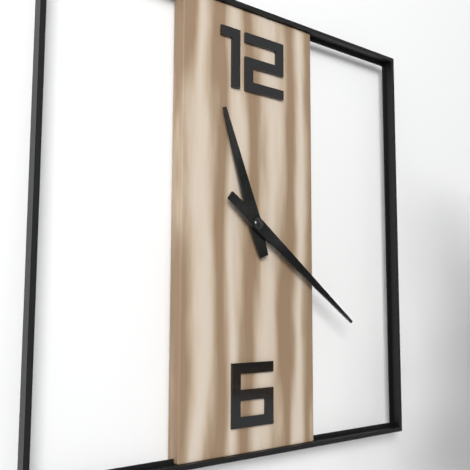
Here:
11,21
